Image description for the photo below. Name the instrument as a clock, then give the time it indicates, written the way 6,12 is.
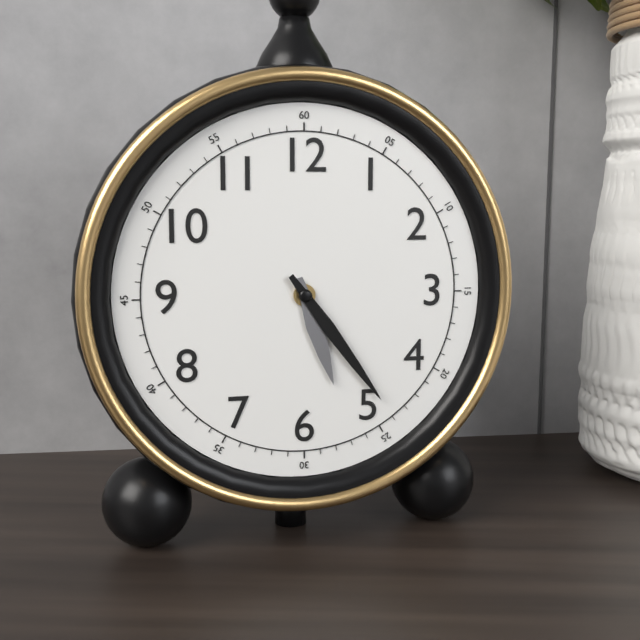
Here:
5,24
